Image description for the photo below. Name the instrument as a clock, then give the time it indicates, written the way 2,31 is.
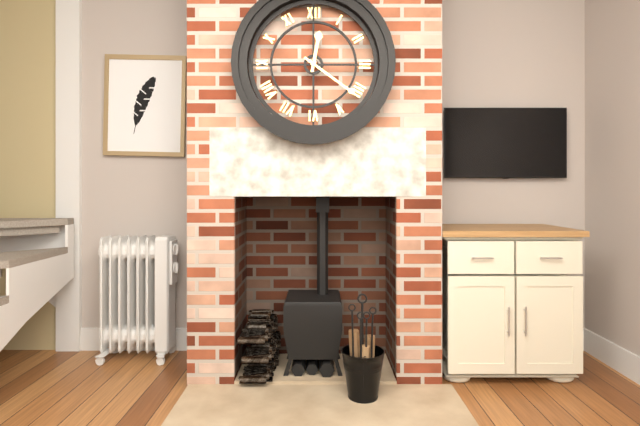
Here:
12,21
